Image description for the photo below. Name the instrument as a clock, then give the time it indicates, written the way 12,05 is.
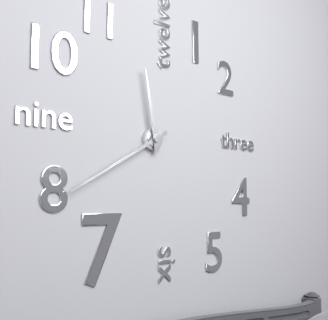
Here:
11,40
